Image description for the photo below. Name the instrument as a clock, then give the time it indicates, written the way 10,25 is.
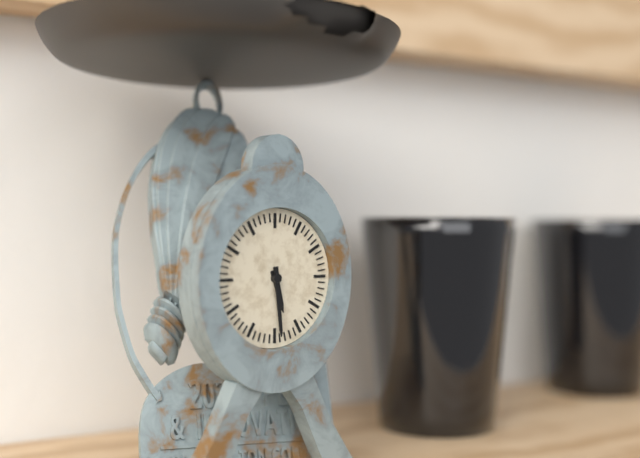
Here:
5,29
